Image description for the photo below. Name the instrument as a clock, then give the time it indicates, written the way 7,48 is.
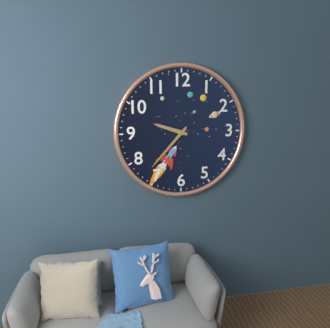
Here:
9,37
